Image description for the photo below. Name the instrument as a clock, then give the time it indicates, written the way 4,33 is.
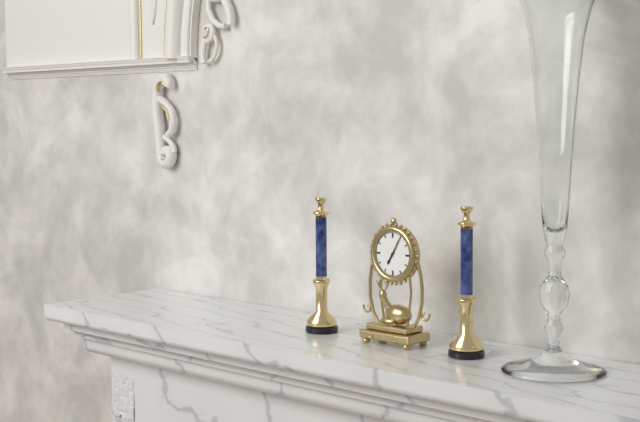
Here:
7,05
